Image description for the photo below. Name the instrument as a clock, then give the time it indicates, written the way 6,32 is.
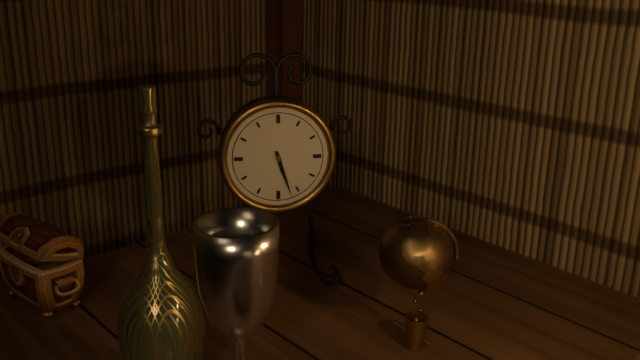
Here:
5,27
